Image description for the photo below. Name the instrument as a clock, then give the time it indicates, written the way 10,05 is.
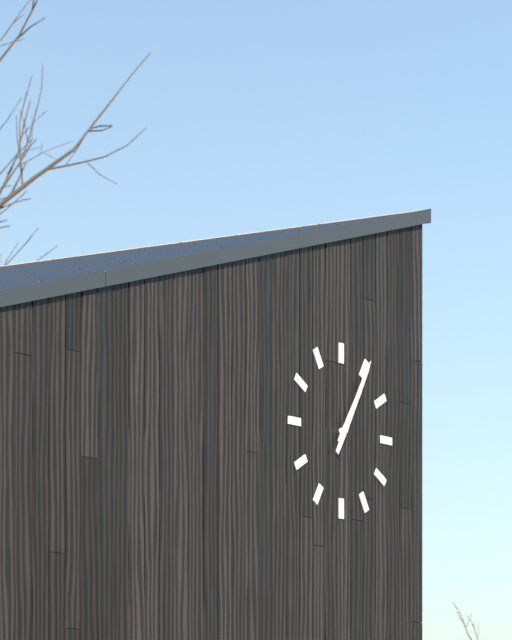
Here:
1,05
